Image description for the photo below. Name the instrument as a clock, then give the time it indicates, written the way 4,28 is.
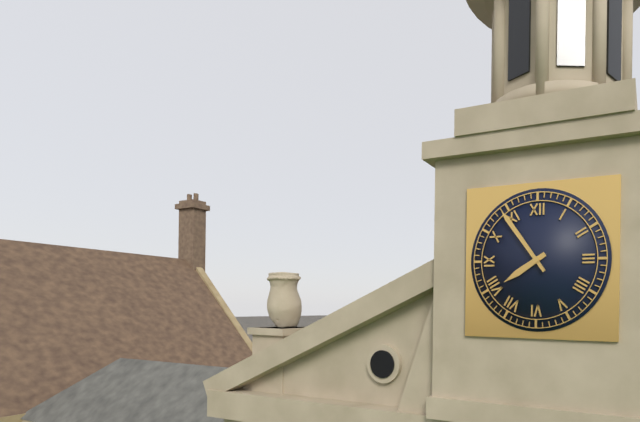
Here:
7,54
